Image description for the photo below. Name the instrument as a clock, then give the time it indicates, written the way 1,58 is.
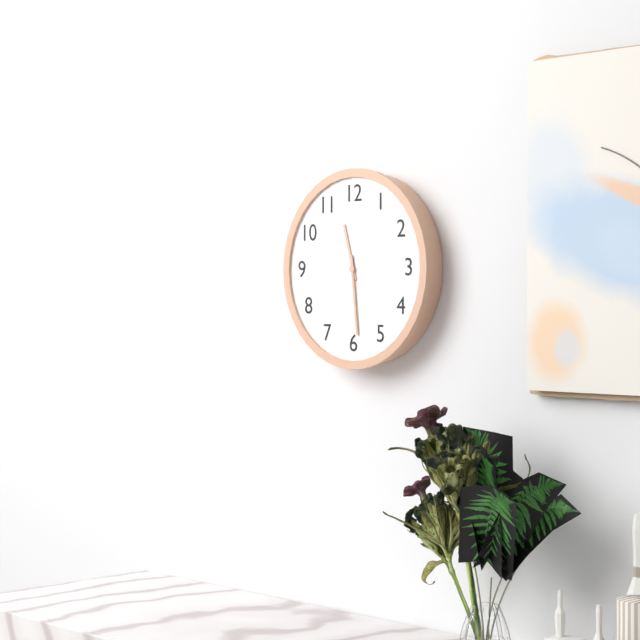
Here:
11,29
